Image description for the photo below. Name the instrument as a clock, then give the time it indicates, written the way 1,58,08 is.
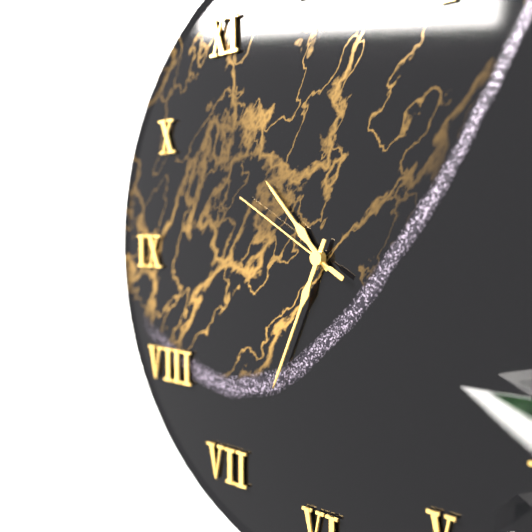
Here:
10,34,50
